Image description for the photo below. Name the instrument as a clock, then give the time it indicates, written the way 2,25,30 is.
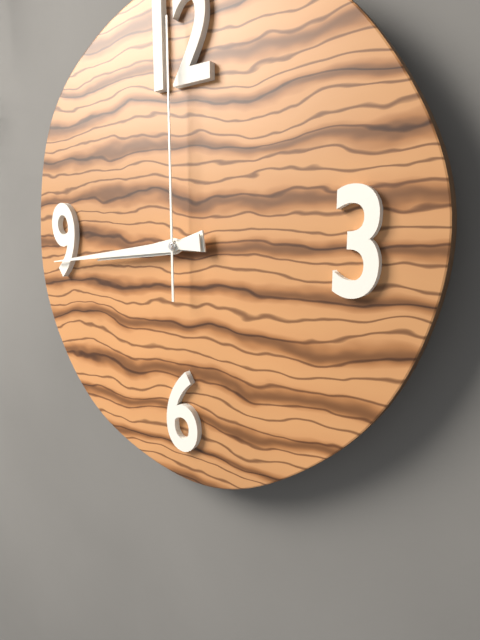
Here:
8,44,00
